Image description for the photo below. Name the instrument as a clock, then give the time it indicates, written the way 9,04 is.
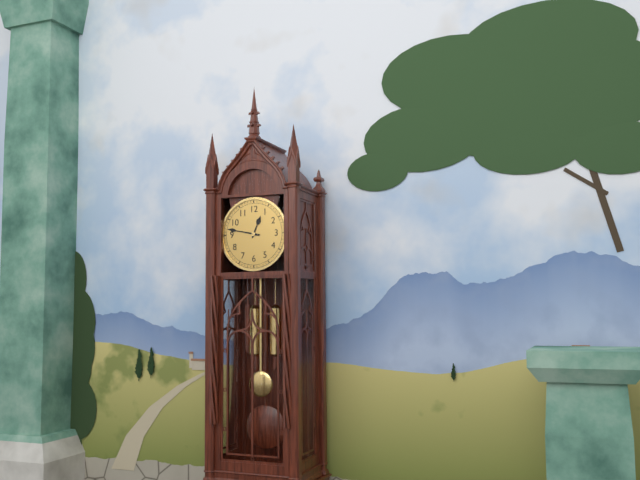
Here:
12,47
